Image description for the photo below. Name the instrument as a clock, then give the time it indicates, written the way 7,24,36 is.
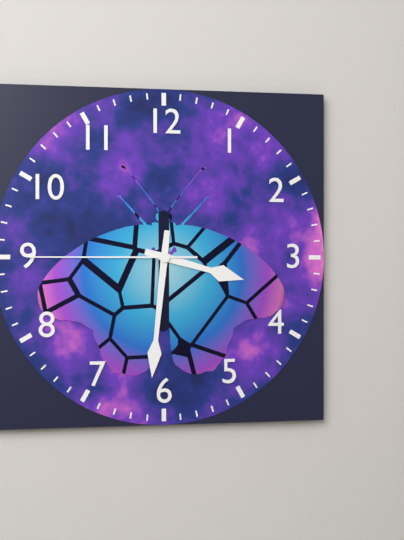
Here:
3,31,45
